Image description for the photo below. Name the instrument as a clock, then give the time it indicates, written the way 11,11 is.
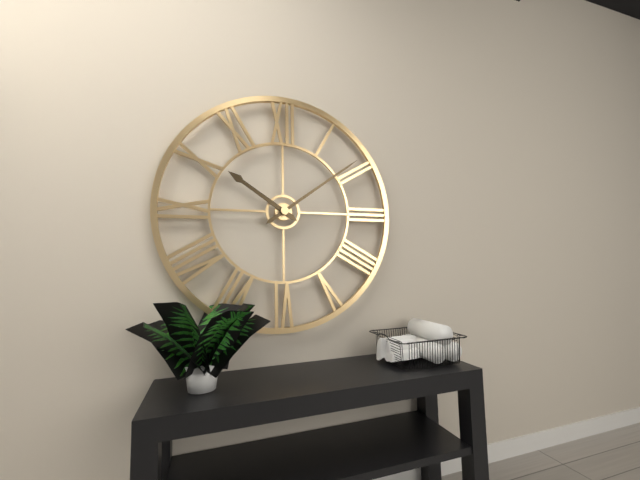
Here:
10,09
